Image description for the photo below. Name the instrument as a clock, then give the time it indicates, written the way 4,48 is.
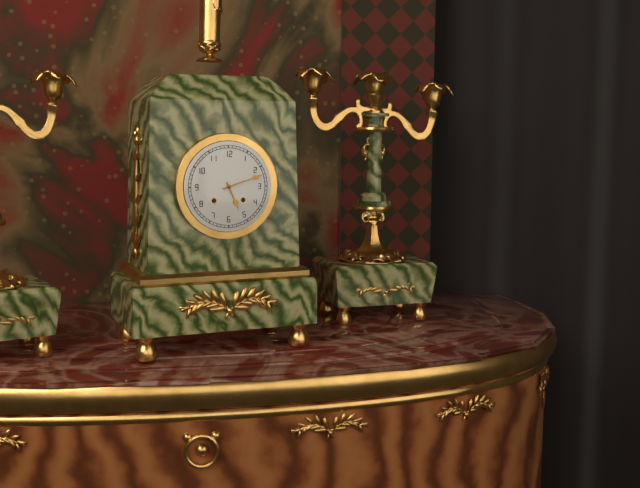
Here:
5,12
